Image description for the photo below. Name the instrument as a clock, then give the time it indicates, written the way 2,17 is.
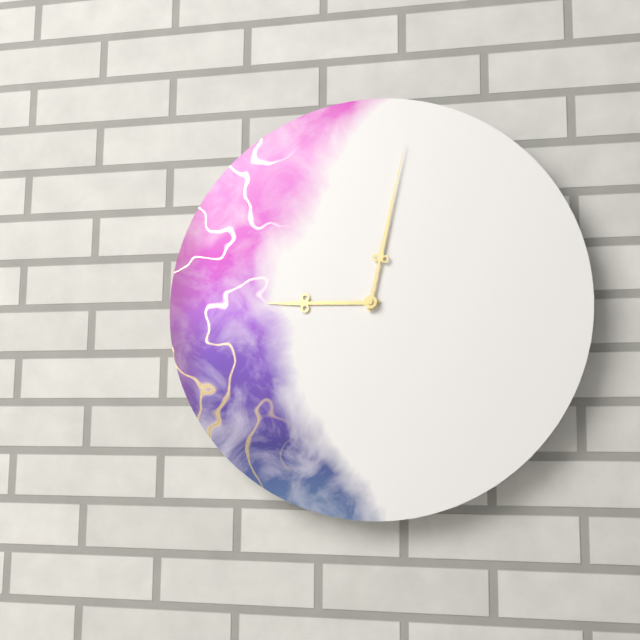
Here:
9,02
